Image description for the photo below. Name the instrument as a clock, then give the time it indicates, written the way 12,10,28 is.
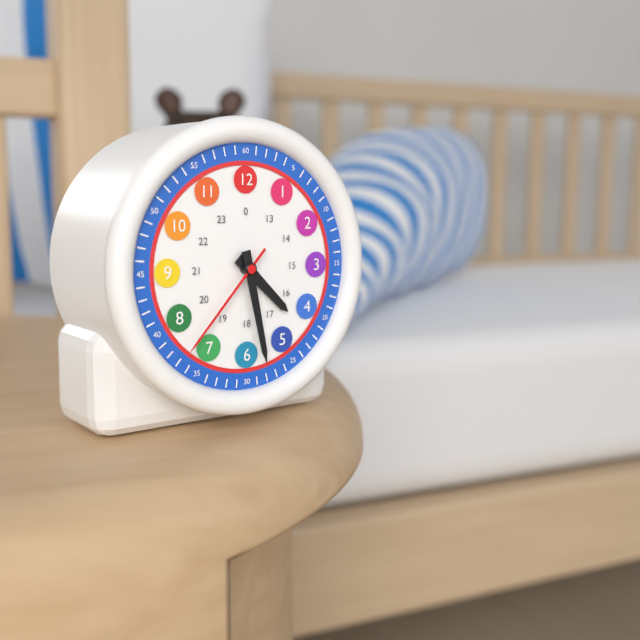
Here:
4,28,37
